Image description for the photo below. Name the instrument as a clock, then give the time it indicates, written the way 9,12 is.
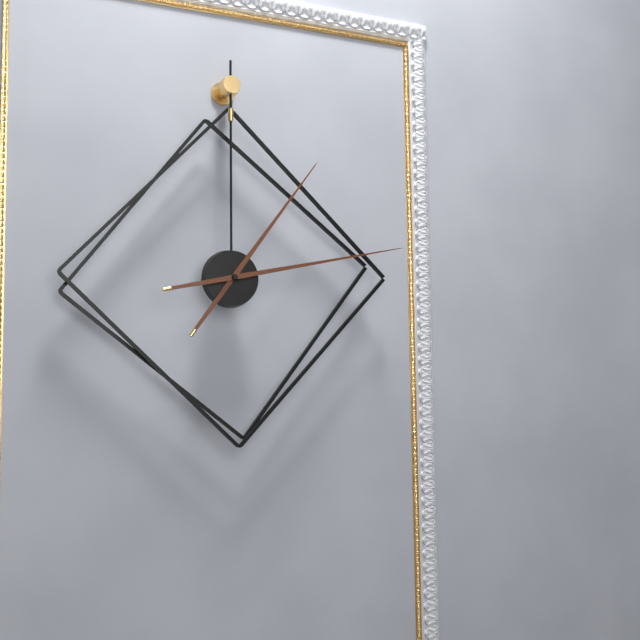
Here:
1,13
